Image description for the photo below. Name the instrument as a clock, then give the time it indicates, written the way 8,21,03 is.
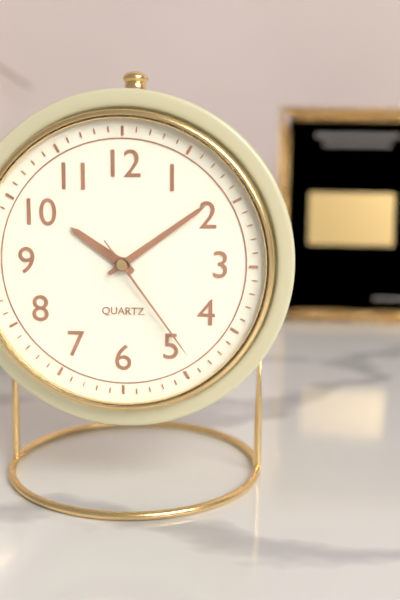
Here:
10,09,24
